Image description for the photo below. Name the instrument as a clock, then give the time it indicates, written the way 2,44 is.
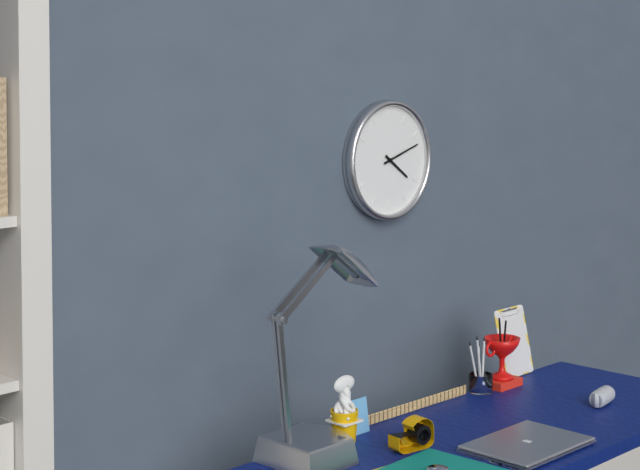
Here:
4,12
